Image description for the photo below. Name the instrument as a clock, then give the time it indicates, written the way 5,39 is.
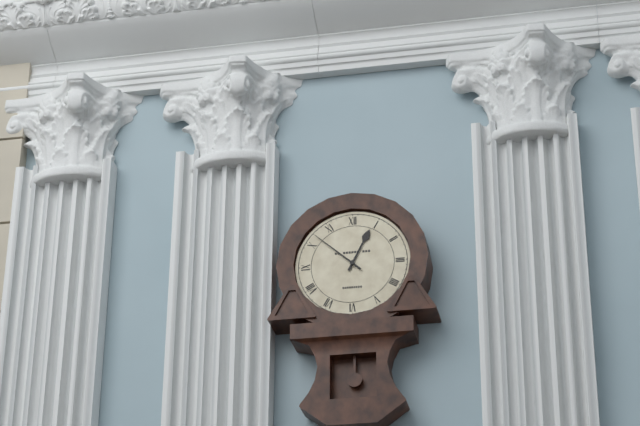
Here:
12,52
